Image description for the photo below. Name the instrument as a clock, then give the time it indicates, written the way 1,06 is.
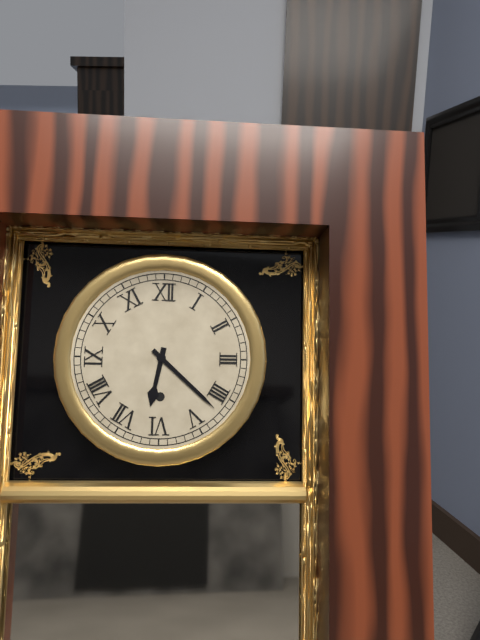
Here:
6,22
